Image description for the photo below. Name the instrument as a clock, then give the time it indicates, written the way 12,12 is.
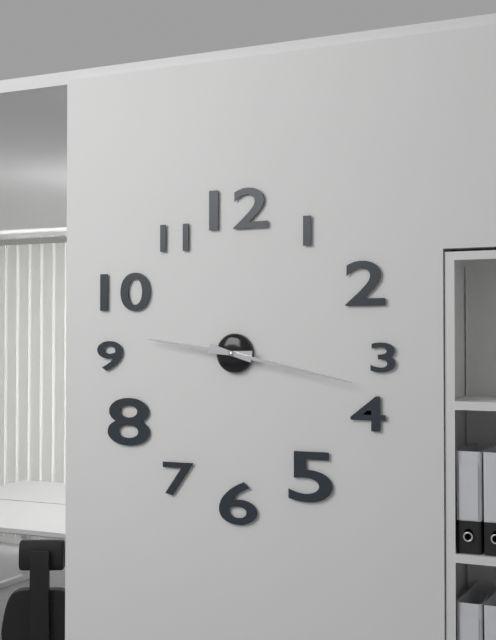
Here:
9,17
